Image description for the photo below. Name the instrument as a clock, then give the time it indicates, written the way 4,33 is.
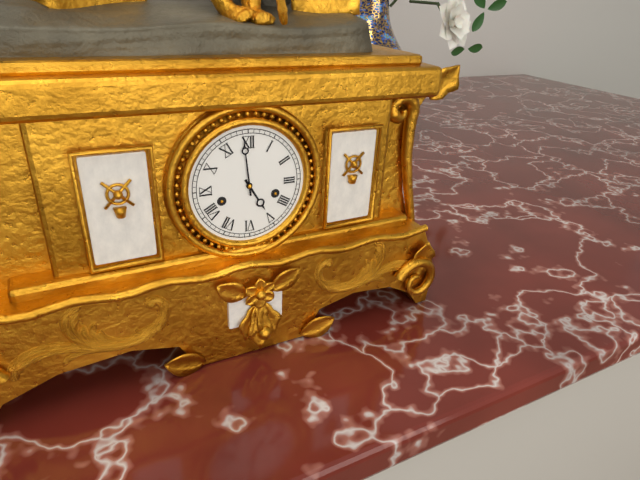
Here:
4,59
